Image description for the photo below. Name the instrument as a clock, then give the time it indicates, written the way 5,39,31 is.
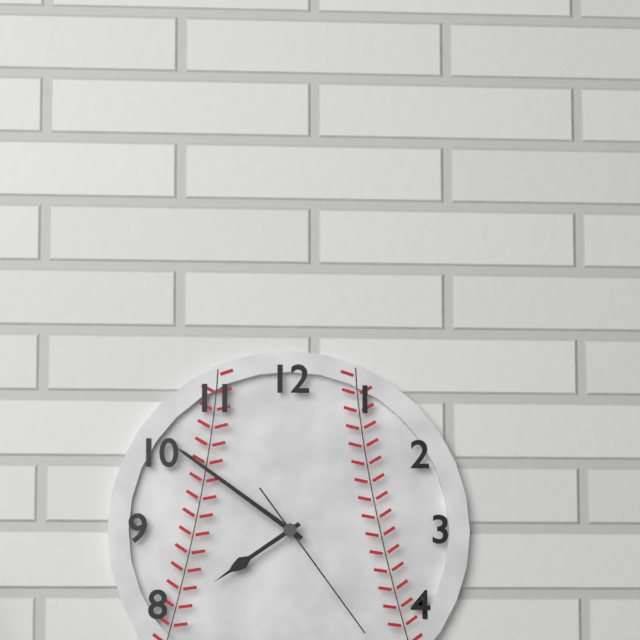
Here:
7,51,24
